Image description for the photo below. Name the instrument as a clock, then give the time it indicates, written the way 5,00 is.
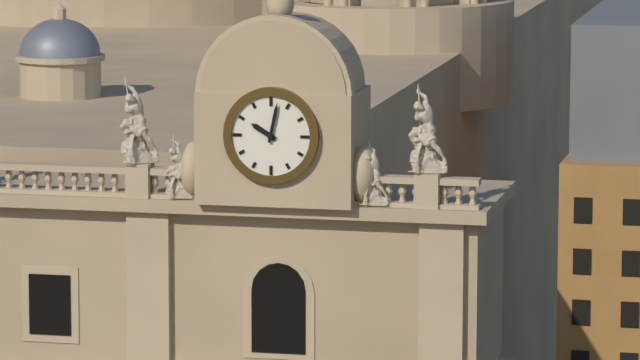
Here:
10,02
